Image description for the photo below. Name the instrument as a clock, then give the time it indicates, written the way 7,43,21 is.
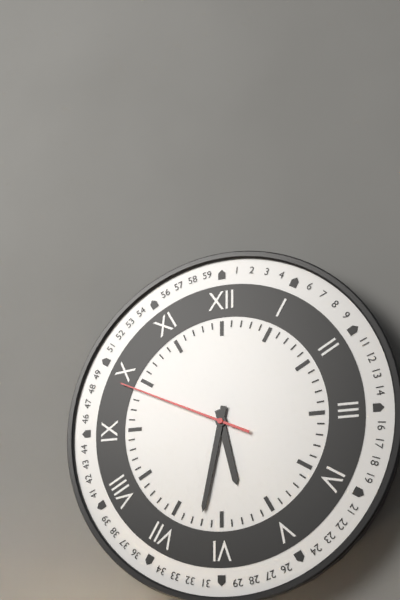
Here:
5,32,49
